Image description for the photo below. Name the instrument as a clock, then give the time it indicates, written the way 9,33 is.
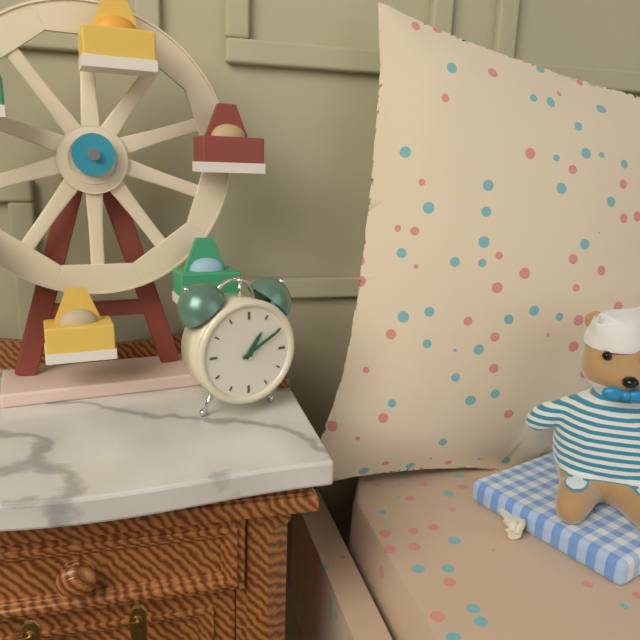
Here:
1,10
